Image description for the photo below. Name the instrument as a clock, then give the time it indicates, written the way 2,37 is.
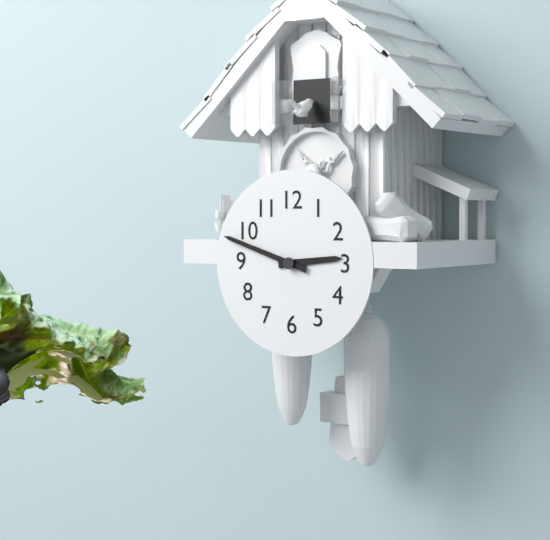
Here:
2,48
